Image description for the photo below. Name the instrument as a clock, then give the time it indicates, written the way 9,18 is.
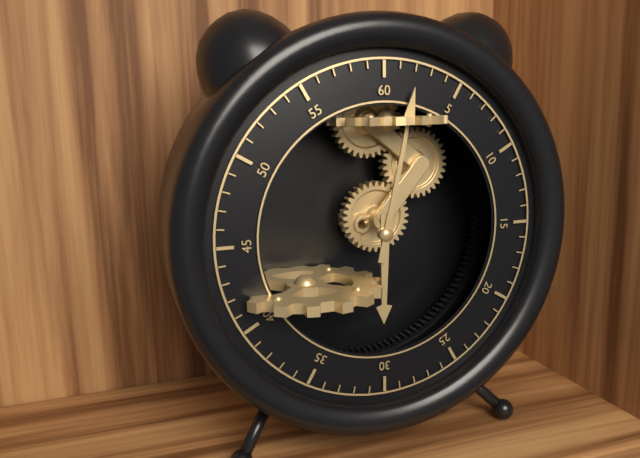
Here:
6,02
